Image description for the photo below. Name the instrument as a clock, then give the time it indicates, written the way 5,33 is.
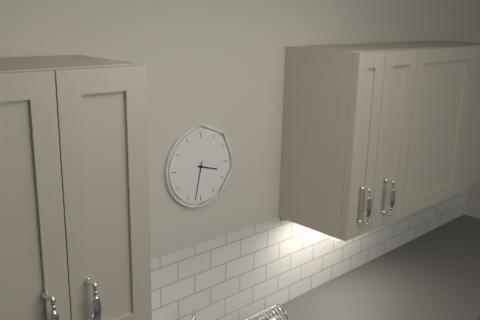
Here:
3,32
